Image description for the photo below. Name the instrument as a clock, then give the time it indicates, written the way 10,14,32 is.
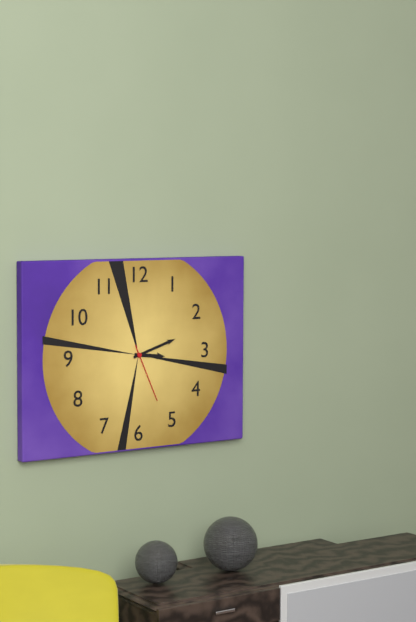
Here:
3,12,26
